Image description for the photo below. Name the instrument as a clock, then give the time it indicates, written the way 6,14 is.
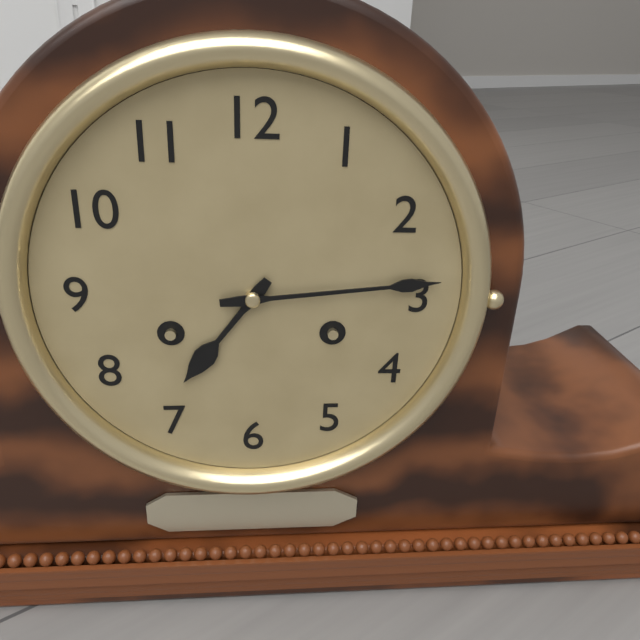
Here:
7,14
